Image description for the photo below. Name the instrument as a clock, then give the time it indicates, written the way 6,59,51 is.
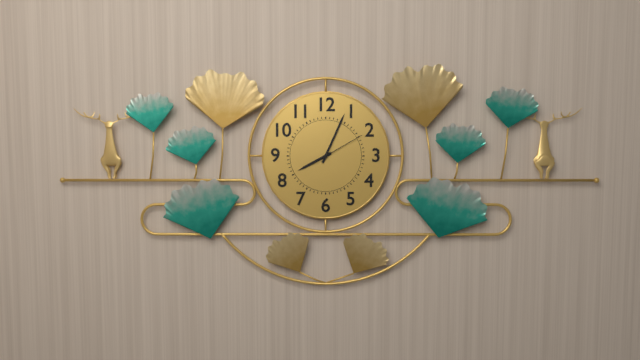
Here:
8,04,10
